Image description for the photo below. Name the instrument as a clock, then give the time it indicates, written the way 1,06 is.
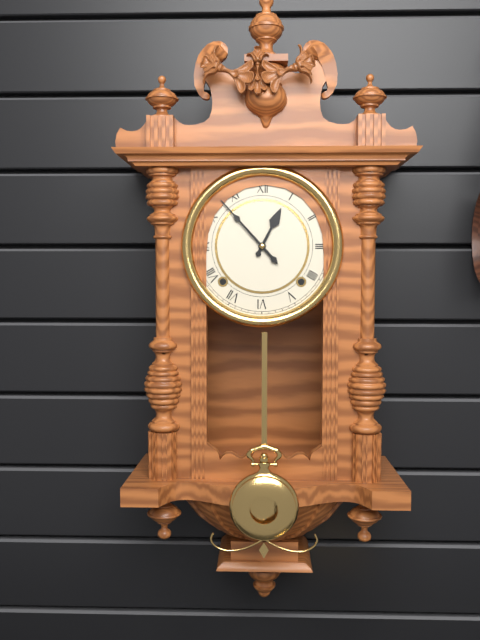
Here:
12,53
